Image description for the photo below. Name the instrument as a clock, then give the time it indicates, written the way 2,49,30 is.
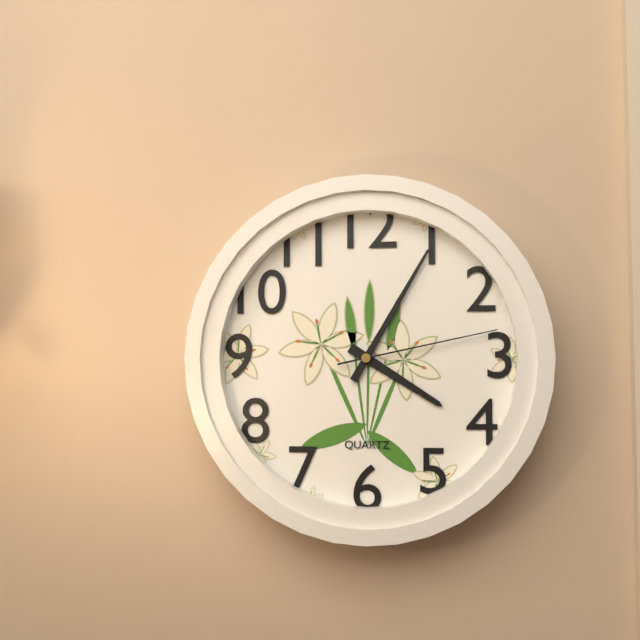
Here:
4,05,13
